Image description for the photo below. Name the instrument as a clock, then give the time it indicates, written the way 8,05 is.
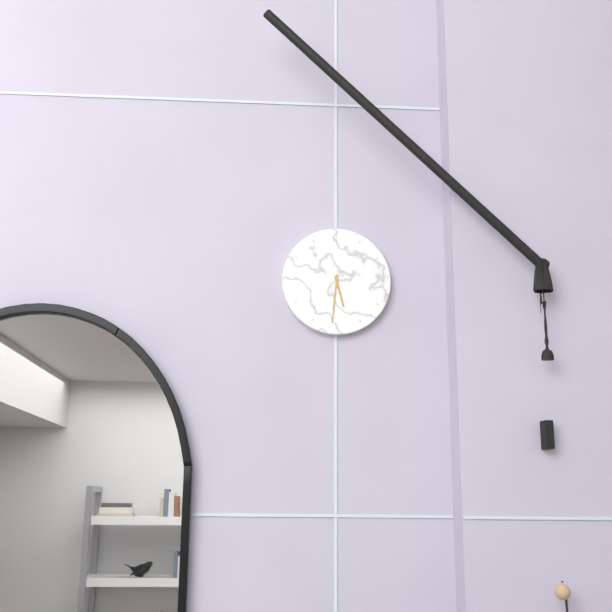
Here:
5,31
